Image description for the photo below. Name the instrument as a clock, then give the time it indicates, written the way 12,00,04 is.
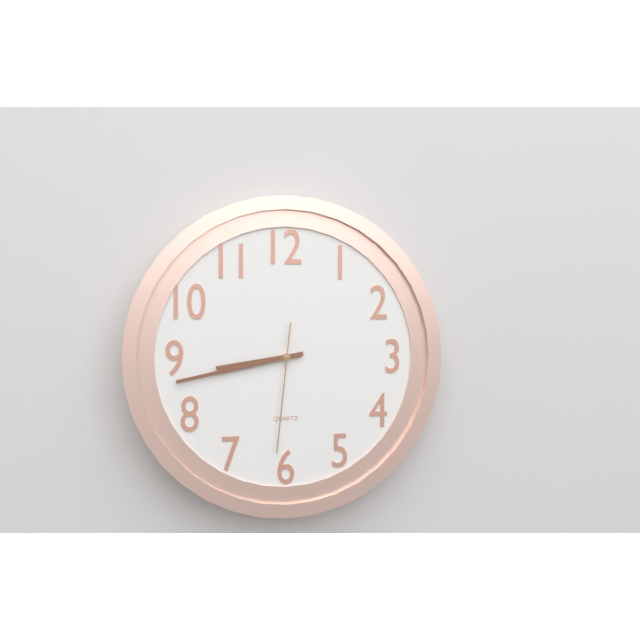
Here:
8,43,31
